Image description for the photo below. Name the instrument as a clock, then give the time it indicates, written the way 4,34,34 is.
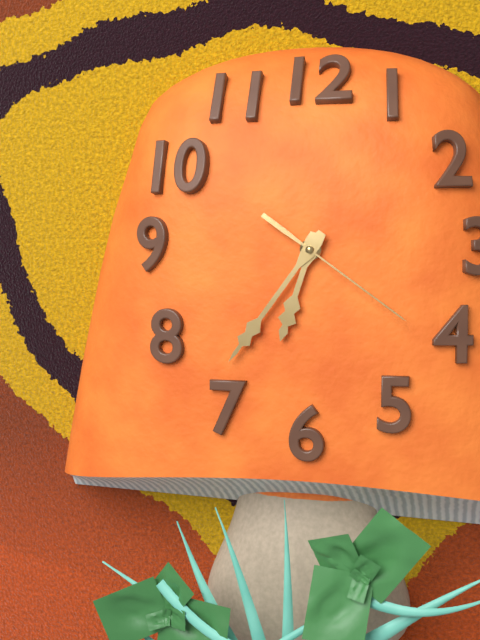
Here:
6,36,21
